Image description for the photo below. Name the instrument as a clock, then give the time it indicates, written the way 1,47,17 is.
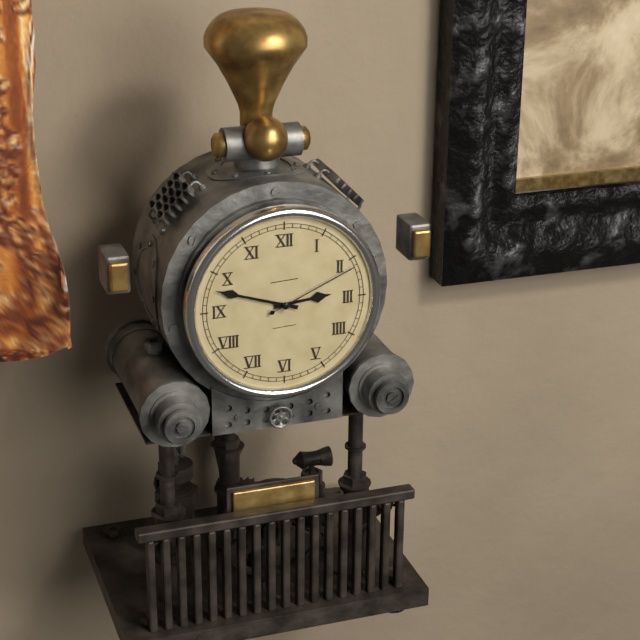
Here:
2,48,11
